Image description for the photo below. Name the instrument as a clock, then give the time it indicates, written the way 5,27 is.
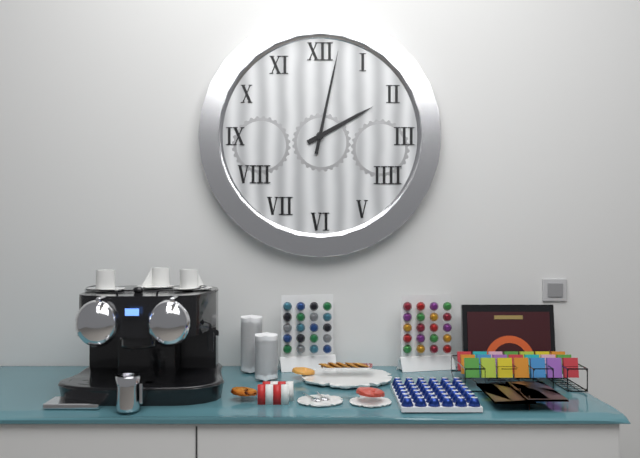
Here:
2,02
